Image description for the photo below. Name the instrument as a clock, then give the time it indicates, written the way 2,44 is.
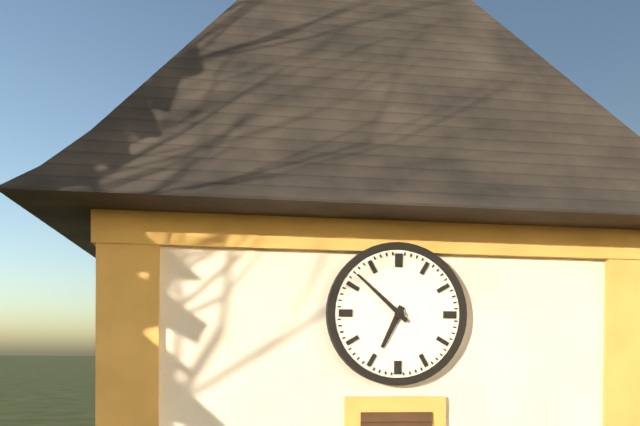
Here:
6,52
